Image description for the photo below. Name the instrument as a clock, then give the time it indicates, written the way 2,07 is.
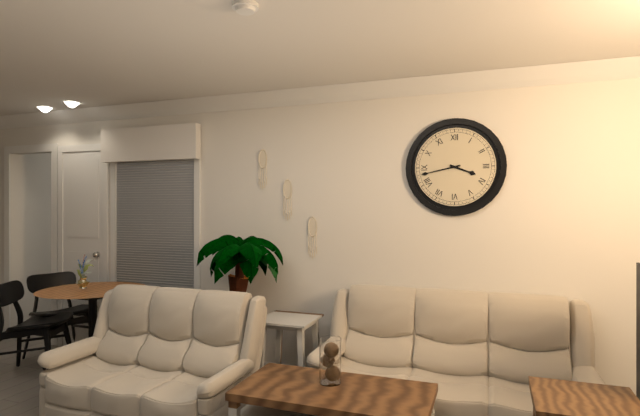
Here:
3,43
